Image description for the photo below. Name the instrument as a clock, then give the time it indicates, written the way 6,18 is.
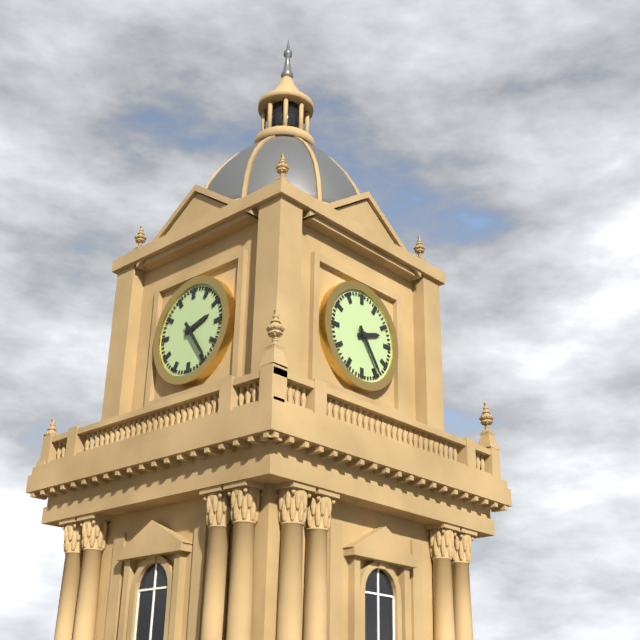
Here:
2,24
